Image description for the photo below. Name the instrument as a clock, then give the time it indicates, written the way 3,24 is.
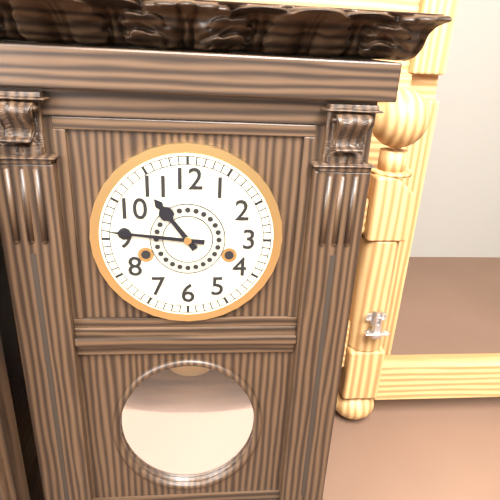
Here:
10,46
